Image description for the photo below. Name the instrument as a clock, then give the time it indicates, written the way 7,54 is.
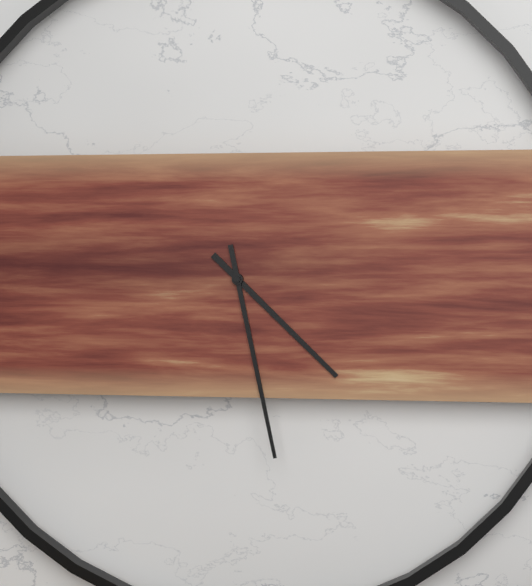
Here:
4,28
